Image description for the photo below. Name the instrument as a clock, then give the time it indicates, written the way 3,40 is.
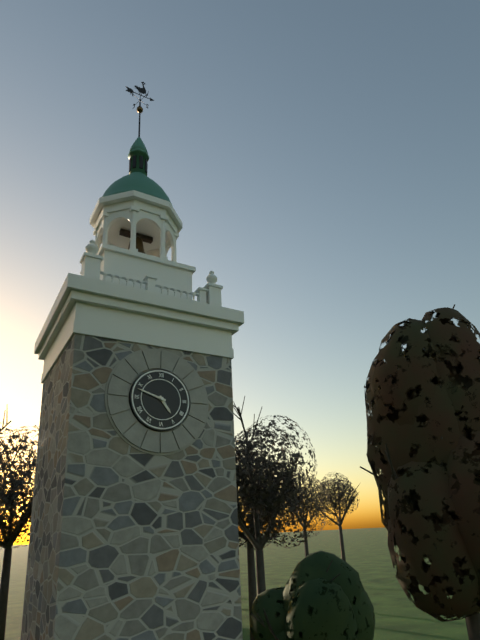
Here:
4,48
